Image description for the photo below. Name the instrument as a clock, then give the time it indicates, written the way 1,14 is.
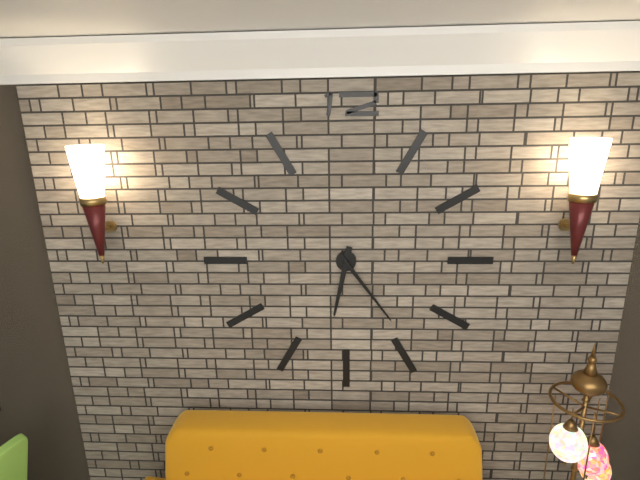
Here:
6,24
